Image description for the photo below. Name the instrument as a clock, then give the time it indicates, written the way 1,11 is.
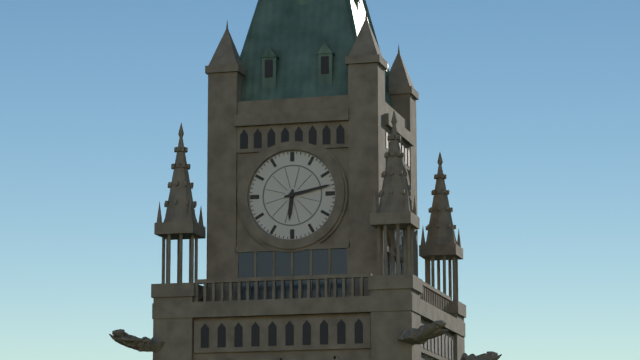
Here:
6,13
